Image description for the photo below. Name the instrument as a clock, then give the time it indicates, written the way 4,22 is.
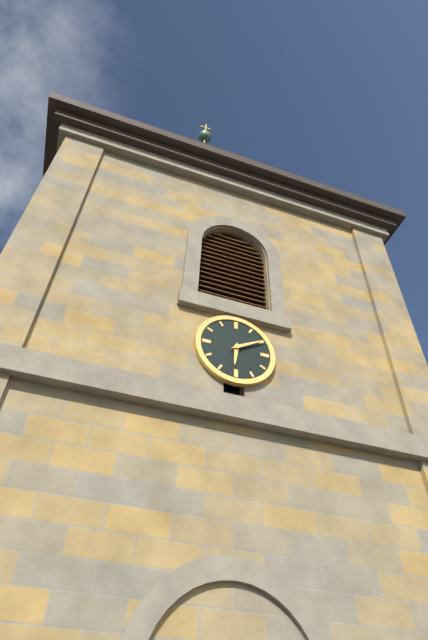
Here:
6,10
